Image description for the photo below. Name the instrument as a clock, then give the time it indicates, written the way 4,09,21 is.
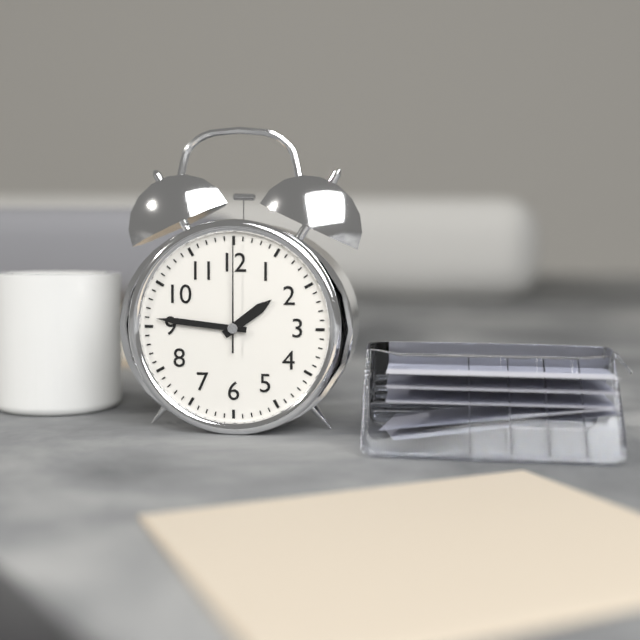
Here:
1,46,00
